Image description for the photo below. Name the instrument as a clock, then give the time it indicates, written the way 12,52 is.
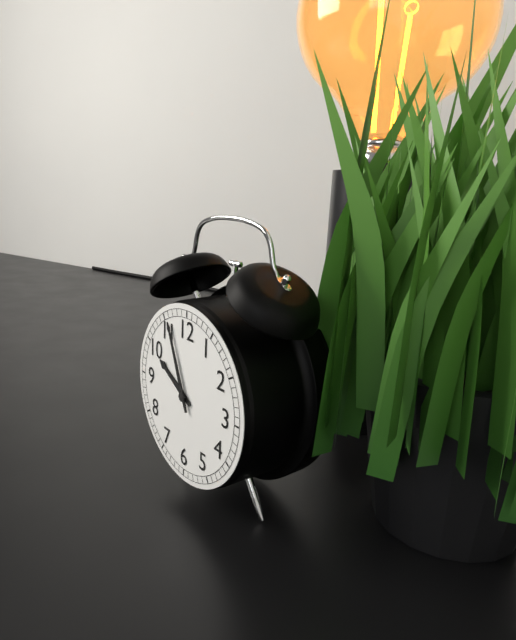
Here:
9,56
